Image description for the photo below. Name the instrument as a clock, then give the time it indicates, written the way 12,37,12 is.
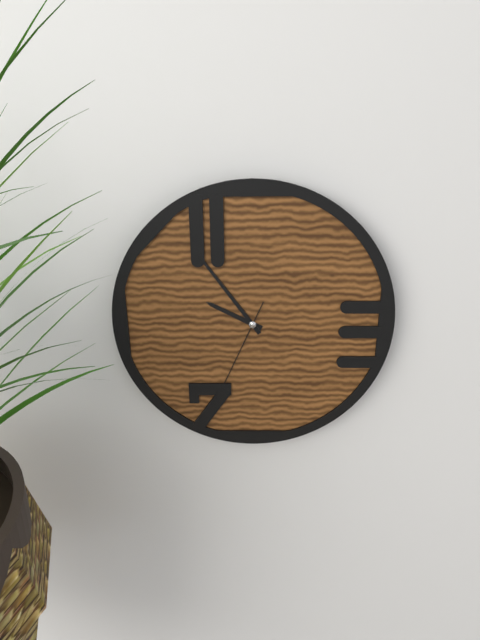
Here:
9,54,34
